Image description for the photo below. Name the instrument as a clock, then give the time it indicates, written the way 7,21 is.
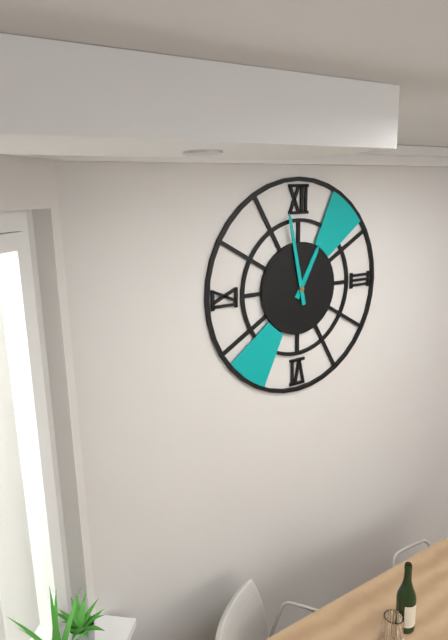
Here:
12,58
